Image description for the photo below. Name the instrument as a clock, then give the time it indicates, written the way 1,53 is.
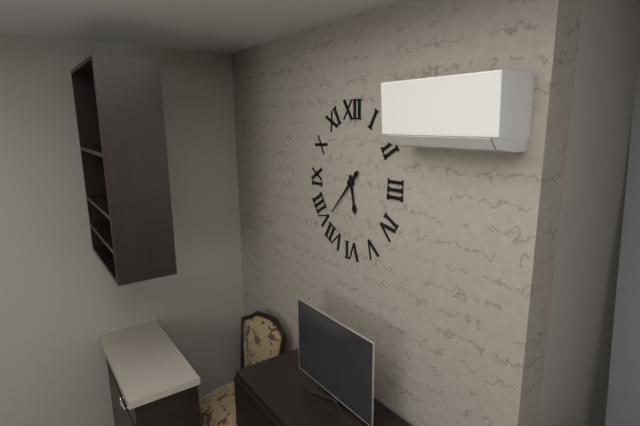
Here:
5,37
